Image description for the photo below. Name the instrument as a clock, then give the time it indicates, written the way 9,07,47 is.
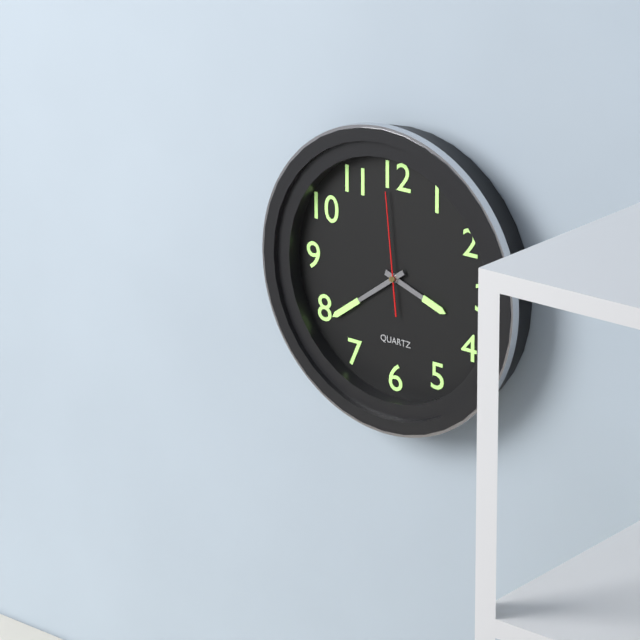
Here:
3,39,59
